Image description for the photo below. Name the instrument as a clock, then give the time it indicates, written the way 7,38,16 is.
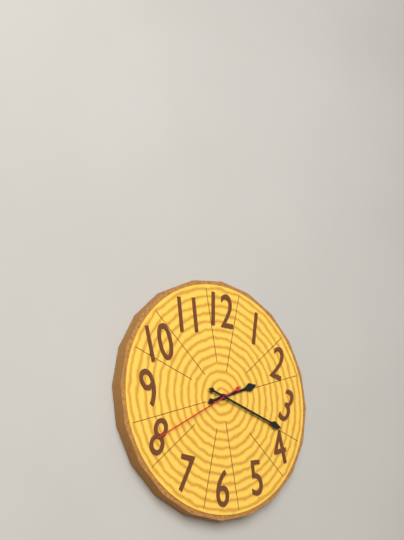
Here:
2,18,40
